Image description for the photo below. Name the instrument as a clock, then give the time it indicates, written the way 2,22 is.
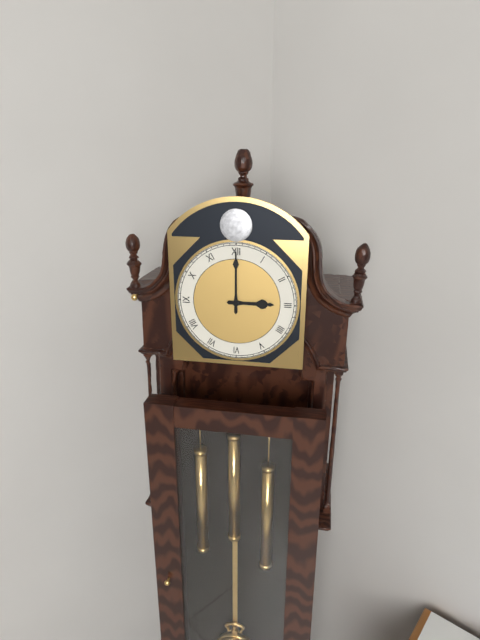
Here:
3,00
